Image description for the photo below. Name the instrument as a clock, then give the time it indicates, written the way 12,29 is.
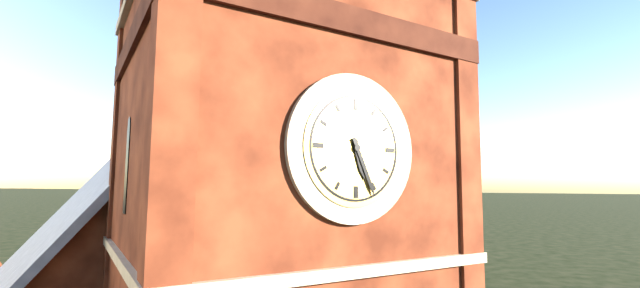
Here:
5,26
